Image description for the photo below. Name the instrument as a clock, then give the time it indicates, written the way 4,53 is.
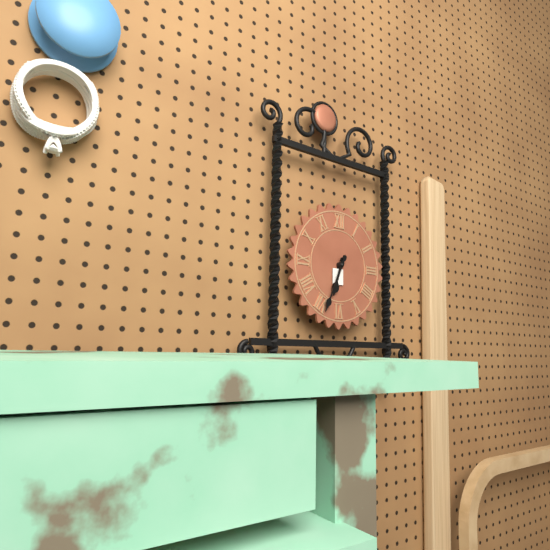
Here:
6,34
